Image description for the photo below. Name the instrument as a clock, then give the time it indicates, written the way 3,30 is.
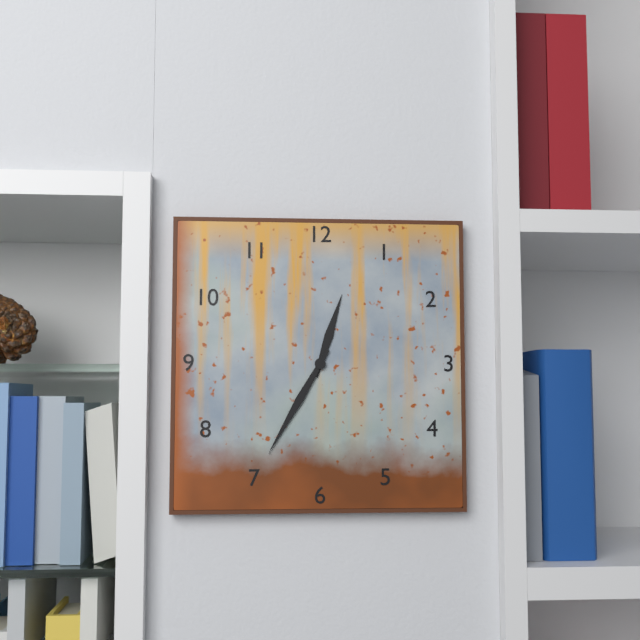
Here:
12,35
